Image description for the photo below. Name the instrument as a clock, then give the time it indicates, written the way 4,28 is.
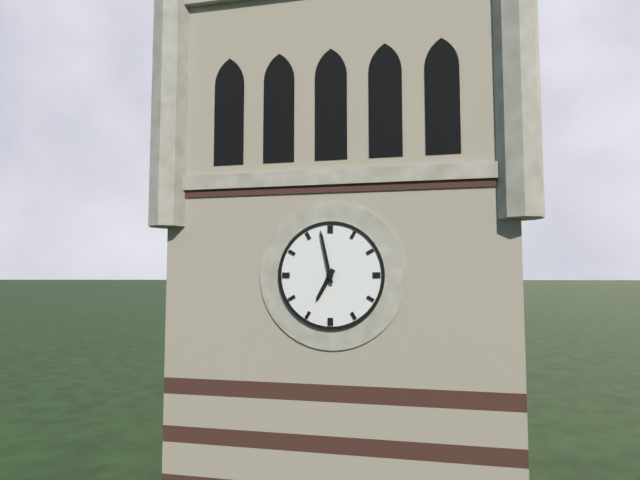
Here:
6,58
